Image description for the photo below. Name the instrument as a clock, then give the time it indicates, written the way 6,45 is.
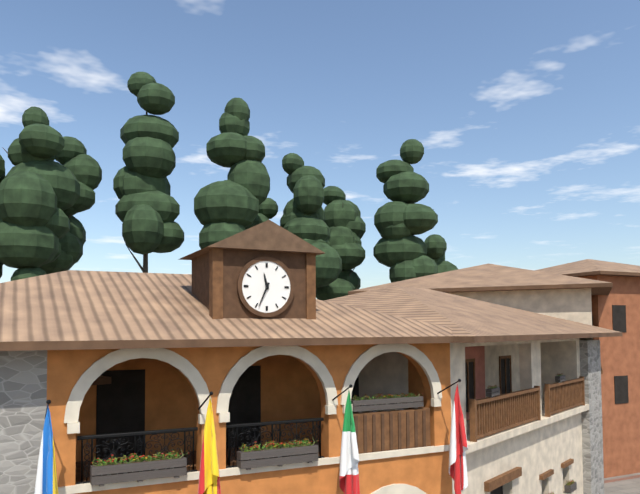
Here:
11,34
